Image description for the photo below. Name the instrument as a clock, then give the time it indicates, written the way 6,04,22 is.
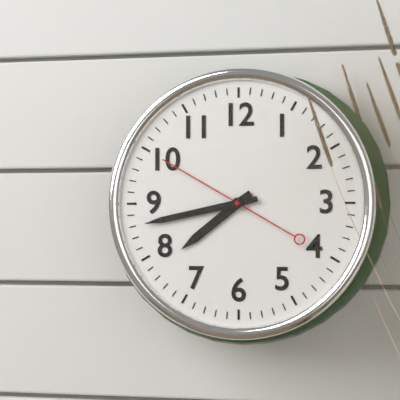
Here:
7,43,50
